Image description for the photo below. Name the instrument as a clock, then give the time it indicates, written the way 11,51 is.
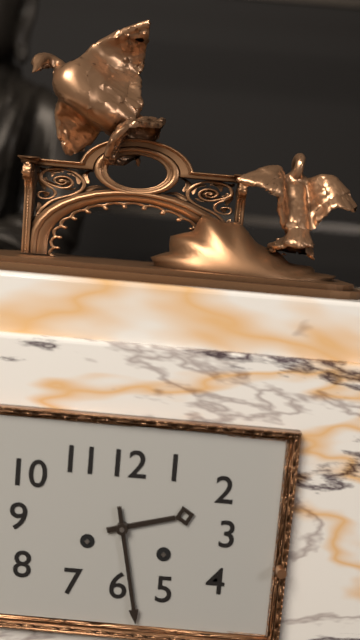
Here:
2,28
